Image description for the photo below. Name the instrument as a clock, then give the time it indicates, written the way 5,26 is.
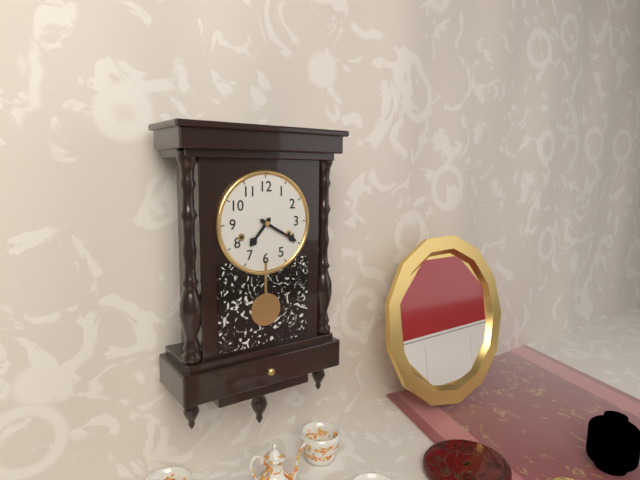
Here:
7,20
